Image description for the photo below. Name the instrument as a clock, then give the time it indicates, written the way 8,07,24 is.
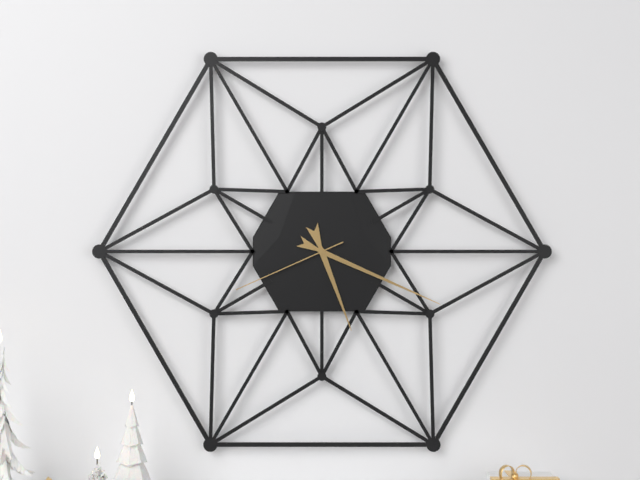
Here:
5,19,41
